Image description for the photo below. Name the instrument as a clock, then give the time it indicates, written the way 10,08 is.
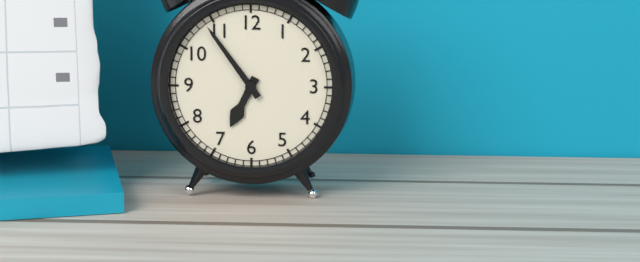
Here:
6,54
